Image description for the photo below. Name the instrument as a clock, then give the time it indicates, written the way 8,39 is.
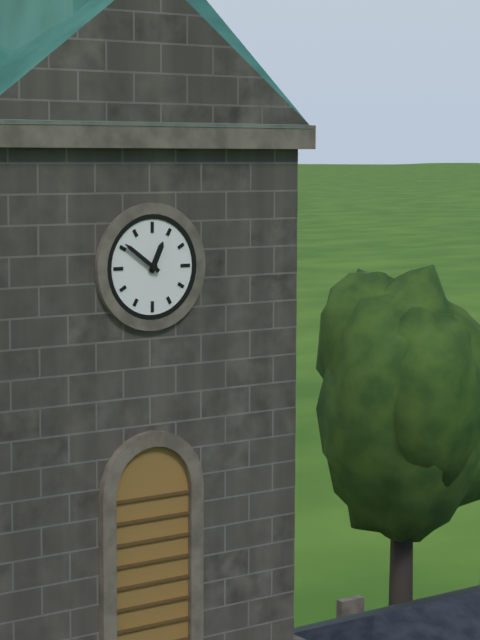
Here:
12,51
